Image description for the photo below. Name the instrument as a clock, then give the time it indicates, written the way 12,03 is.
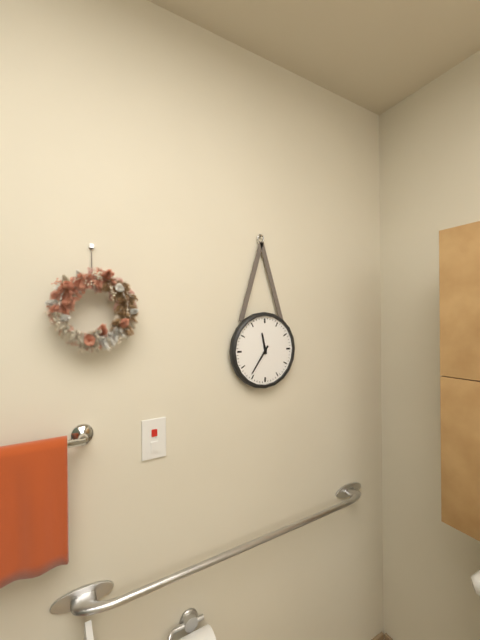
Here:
11,36
